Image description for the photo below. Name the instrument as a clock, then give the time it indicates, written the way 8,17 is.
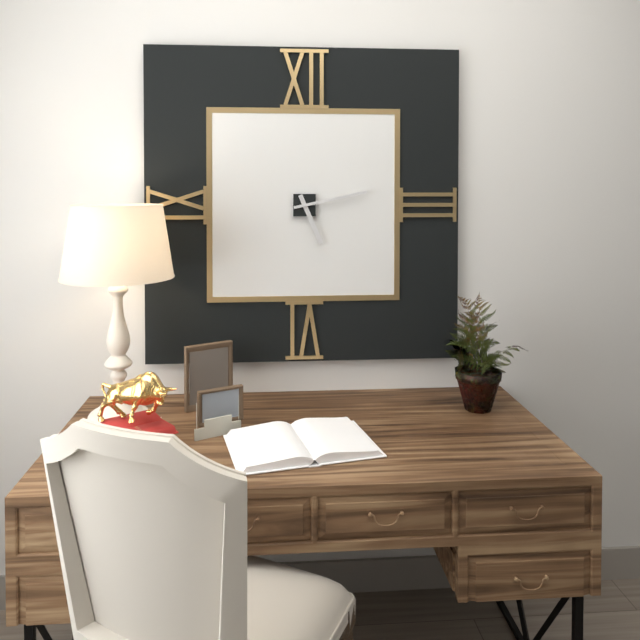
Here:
5,13
